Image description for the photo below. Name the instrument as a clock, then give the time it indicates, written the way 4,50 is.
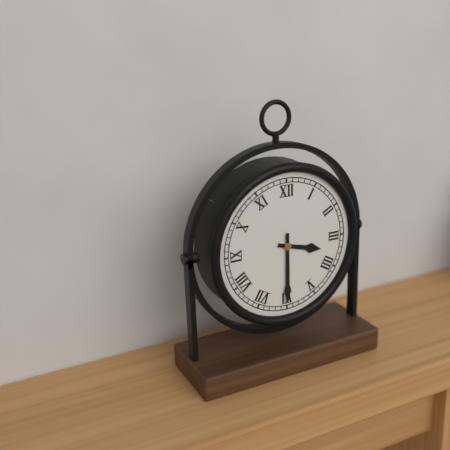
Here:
3,30
